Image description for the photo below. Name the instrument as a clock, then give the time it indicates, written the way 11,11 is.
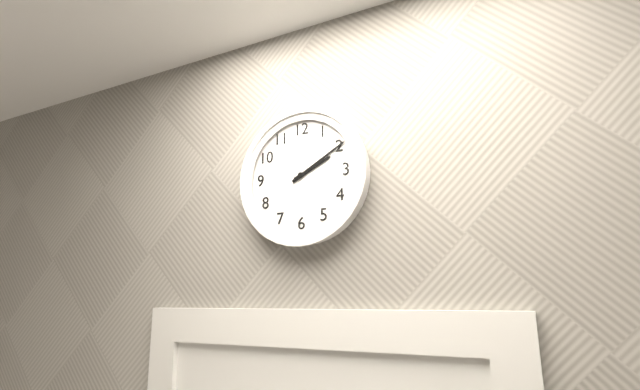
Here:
2,10
